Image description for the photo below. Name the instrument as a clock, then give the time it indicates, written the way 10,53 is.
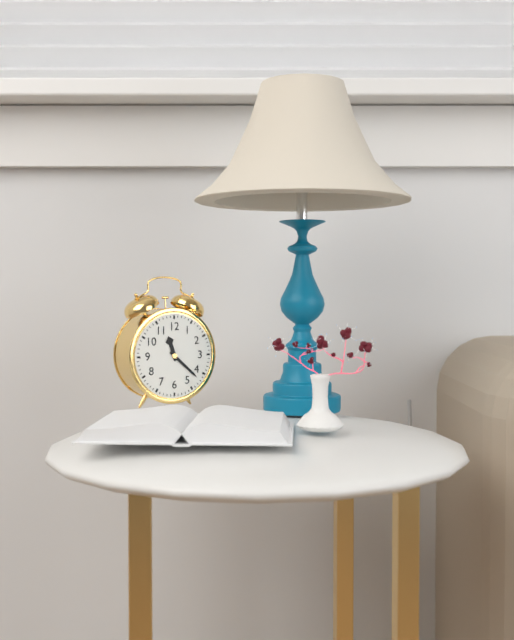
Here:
11,22
